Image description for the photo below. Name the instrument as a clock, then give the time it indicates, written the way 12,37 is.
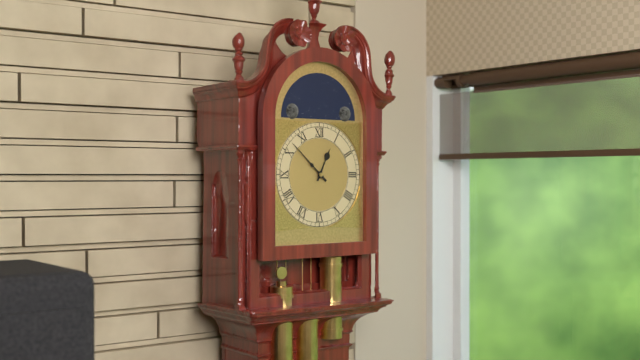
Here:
12,52
